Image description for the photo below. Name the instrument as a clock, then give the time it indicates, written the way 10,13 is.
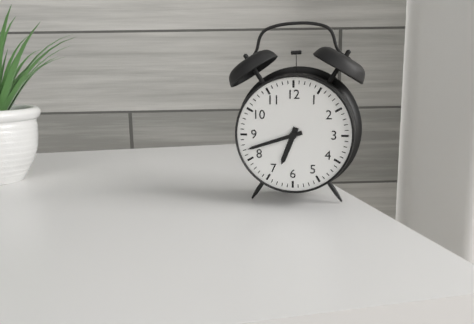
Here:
6,42
